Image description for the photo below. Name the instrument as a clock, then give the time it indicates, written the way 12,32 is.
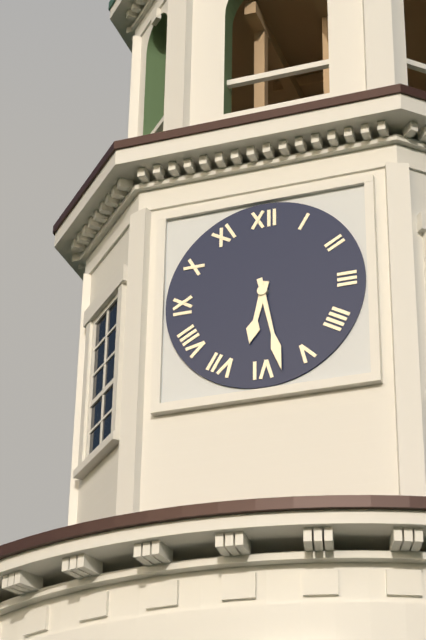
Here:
6,28
